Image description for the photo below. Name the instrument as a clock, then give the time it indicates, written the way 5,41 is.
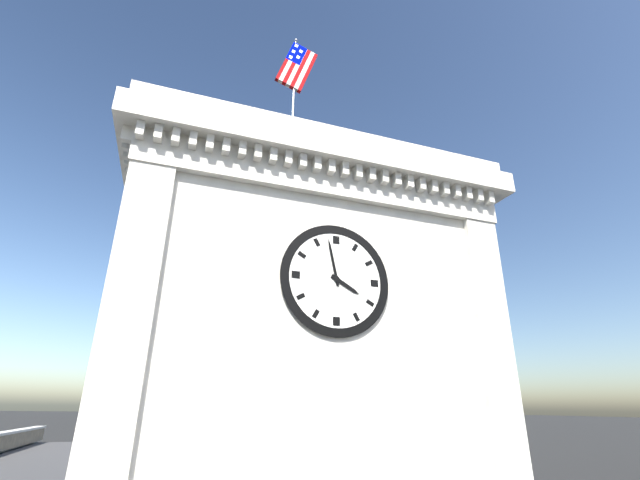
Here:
3,58
